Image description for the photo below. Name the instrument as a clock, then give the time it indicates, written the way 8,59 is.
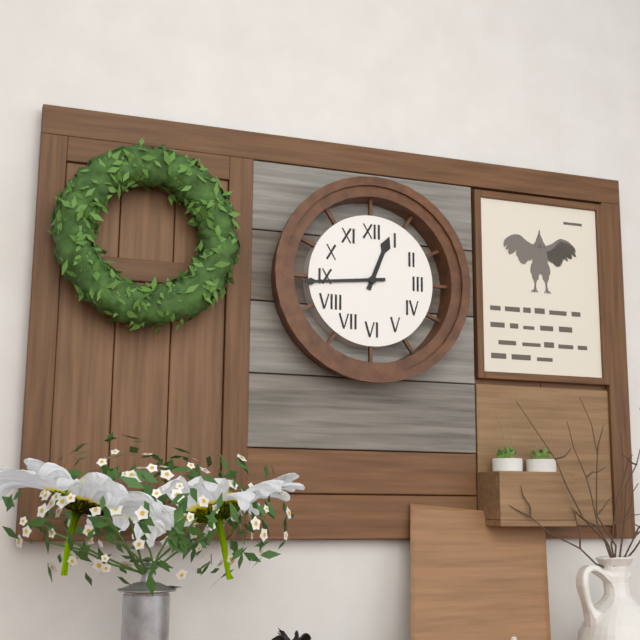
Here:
12,44
